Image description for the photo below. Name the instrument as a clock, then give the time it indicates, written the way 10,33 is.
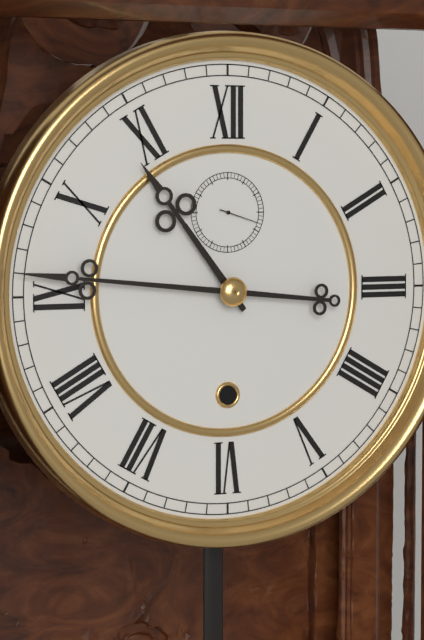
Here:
10,46
